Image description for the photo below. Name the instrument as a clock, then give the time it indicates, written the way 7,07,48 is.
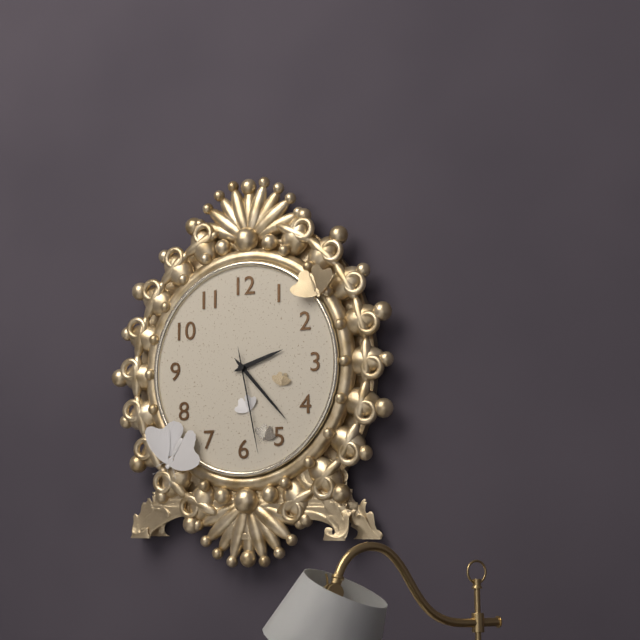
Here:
2,23,28
